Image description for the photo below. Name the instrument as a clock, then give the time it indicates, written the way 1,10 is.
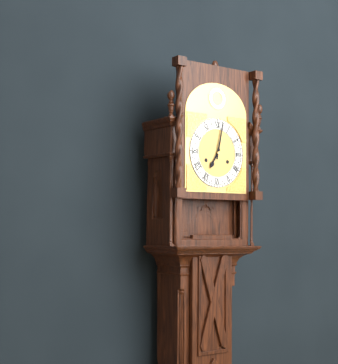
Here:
7,02
